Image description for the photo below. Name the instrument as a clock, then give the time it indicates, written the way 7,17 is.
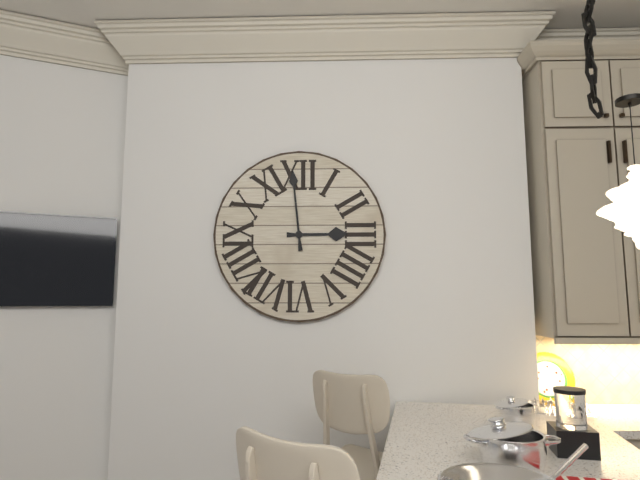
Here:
2,59
